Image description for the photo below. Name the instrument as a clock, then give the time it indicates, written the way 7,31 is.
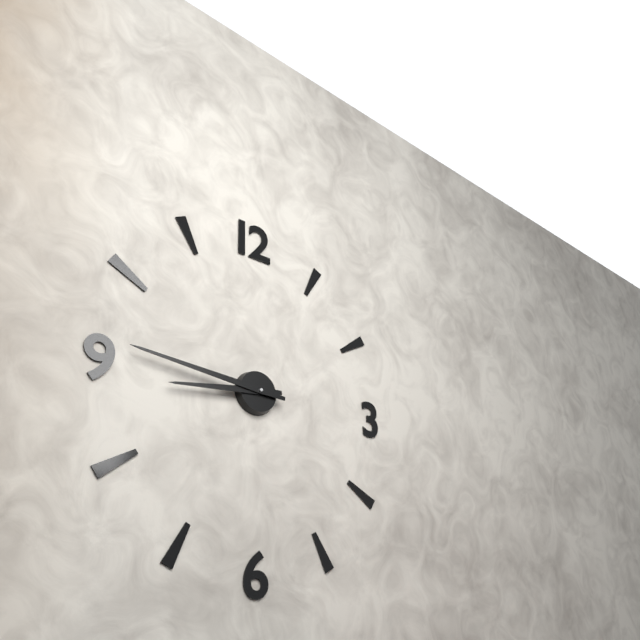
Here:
8,46
